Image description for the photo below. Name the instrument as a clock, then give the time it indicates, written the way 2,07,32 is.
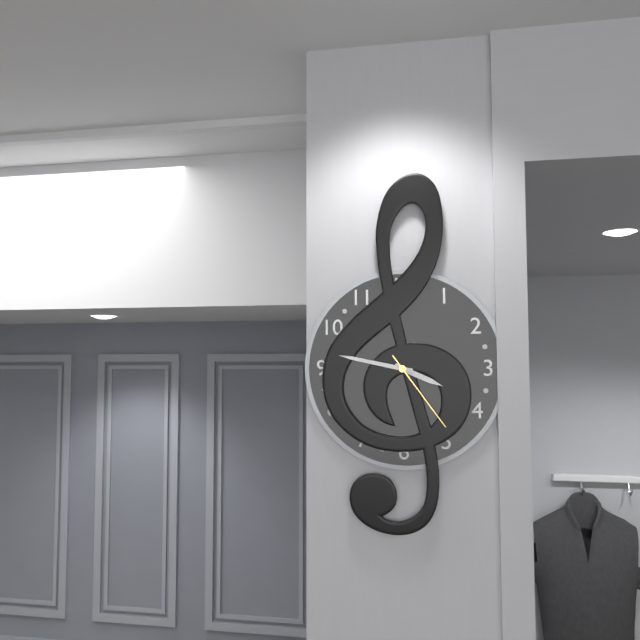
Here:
3,47,24
